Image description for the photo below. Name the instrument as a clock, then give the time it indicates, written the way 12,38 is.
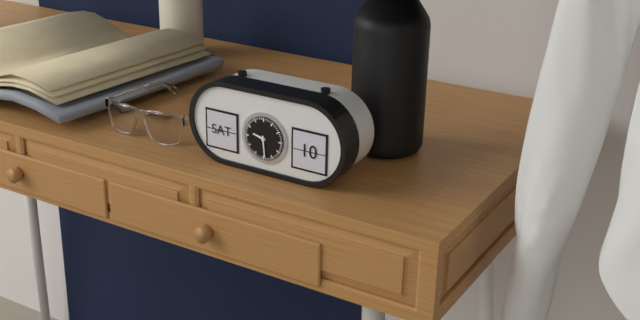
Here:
9,29
